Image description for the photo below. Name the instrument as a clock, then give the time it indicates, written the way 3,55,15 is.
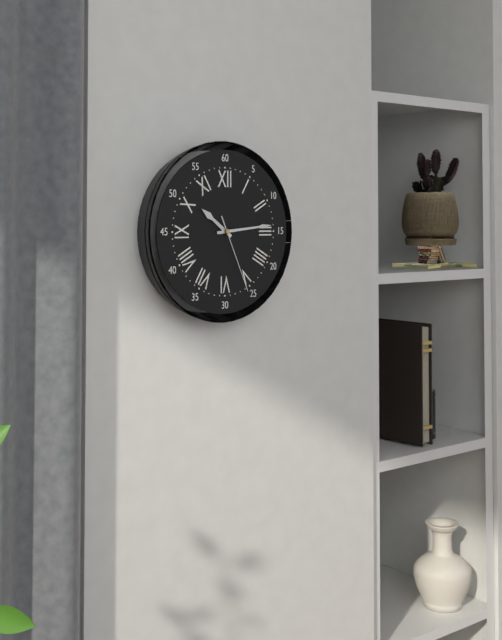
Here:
10,14,26
